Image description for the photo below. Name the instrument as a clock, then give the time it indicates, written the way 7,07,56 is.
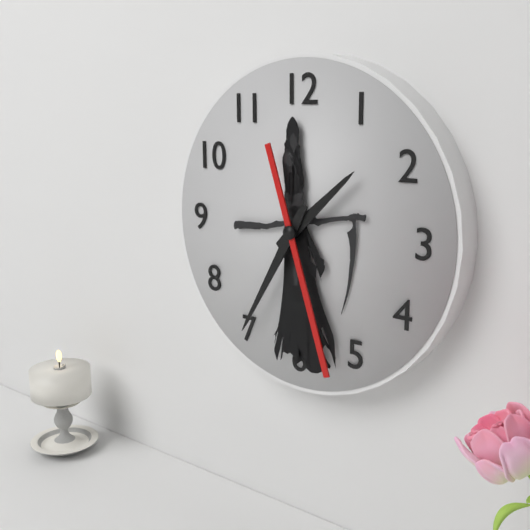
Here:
1,35,27
